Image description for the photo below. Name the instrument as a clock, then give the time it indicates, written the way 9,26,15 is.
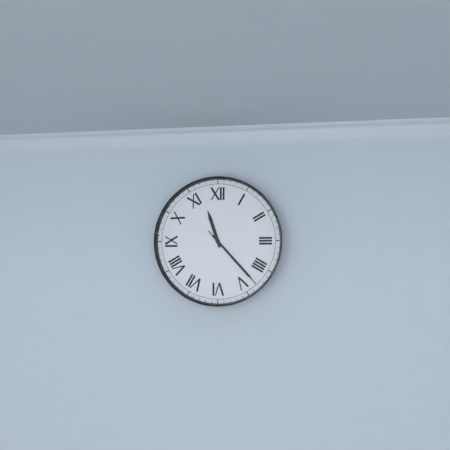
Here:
11,23,23
